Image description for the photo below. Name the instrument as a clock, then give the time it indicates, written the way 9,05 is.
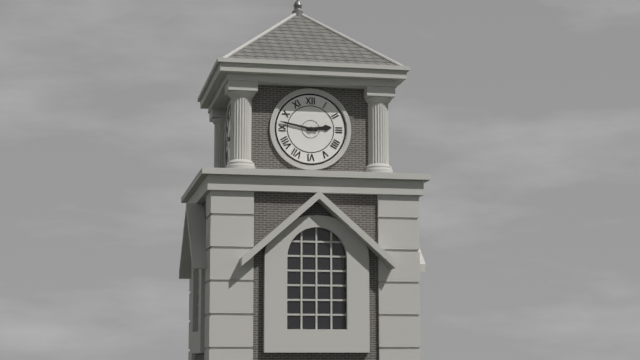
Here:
2,47
